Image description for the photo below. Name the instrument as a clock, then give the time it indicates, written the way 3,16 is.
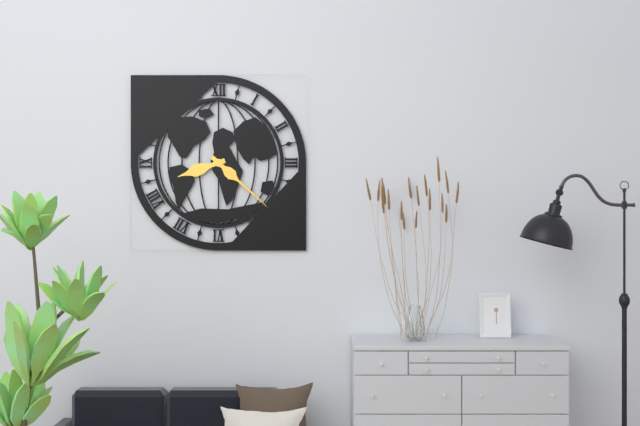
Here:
8,22
